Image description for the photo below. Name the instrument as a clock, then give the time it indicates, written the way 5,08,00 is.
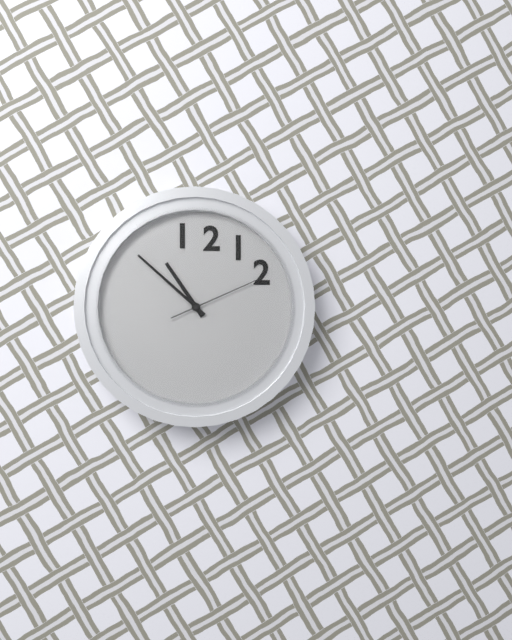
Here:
10,52,11
